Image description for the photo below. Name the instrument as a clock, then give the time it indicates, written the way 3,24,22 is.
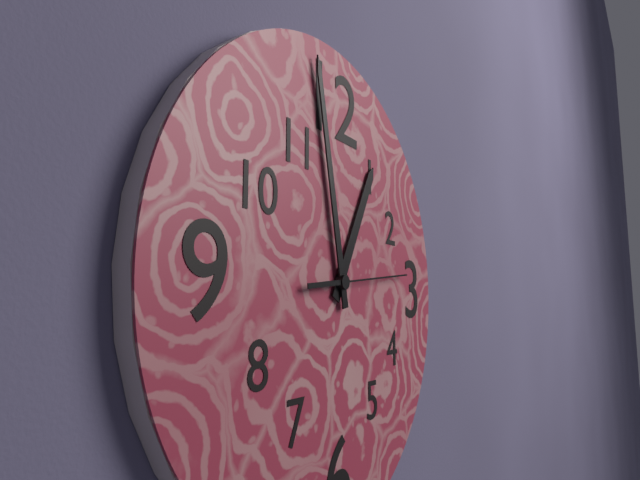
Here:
12,58,14
